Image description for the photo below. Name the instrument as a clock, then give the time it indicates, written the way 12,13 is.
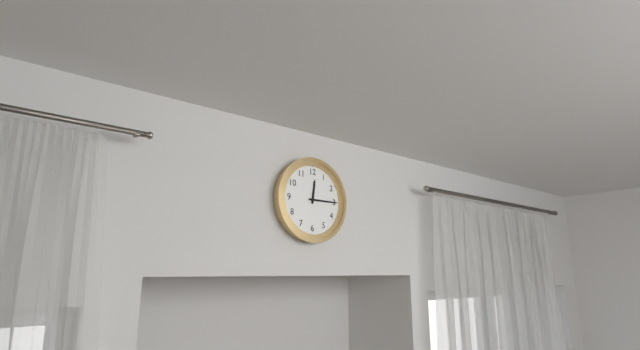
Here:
12,15
